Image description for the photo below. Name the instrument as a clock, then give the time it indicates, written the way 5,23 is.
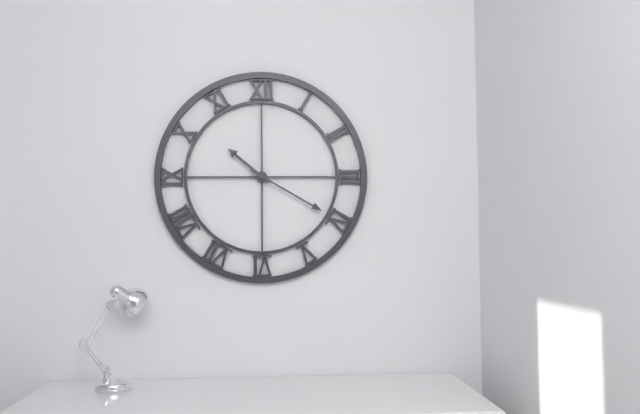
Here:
10,20
